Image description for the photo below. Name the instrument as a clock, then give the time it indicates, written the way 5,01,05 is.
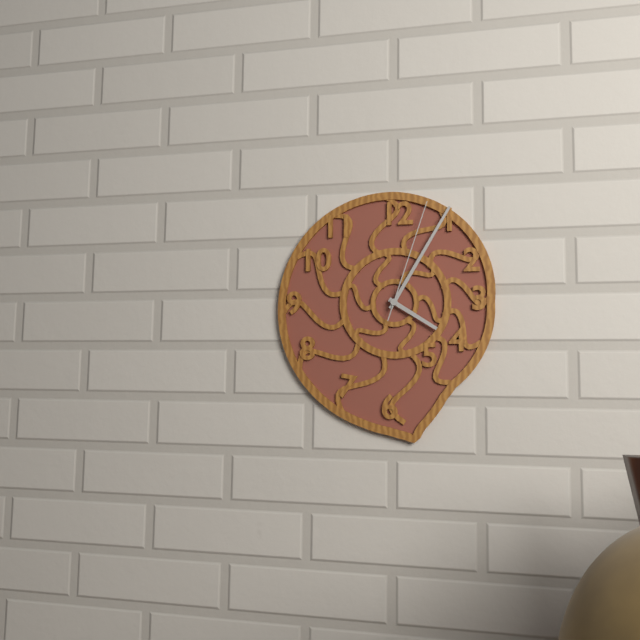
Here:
4,05,03
